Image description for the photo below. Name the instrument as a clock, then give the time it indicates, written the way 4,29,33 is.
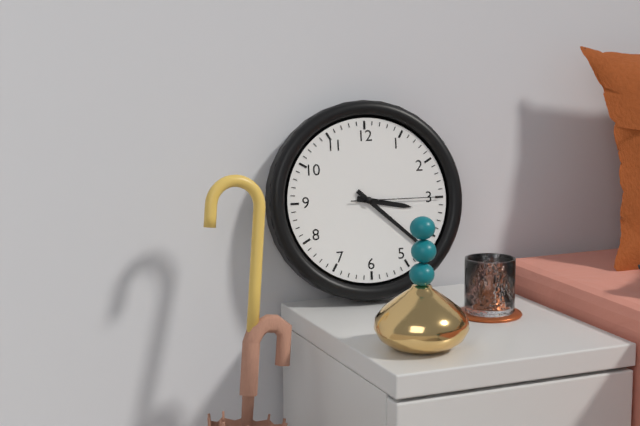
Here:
3,22,15
